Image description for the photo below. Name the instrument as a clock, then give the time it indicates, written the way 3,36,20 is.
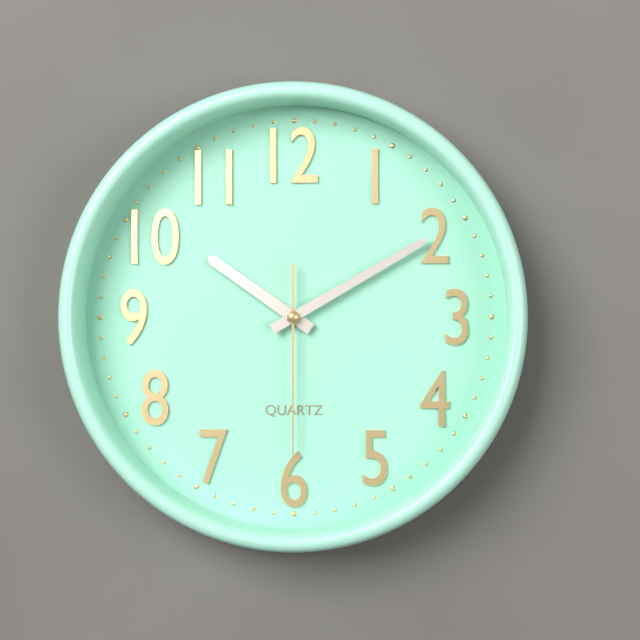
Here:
10,10,30
